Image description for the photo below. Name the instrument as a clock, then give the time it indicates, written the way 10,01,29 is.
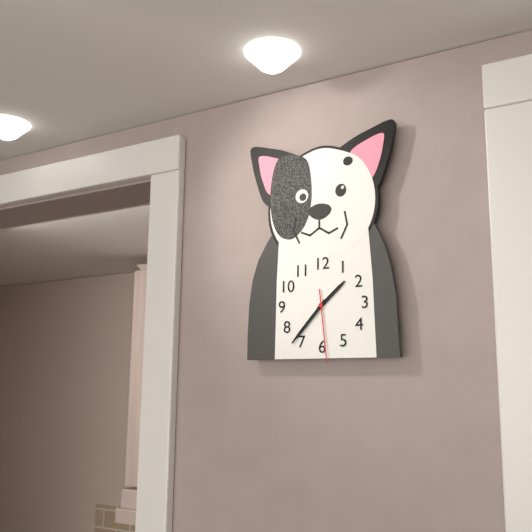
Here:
1,37,29
